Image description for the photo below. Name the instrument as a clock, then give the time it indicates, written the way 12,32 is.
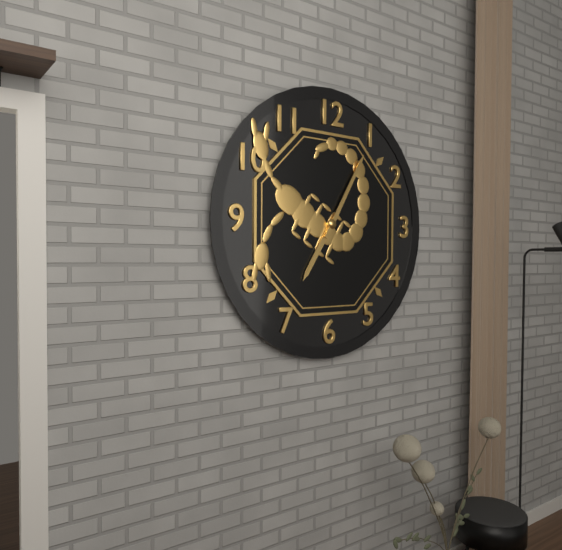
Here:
7,05
